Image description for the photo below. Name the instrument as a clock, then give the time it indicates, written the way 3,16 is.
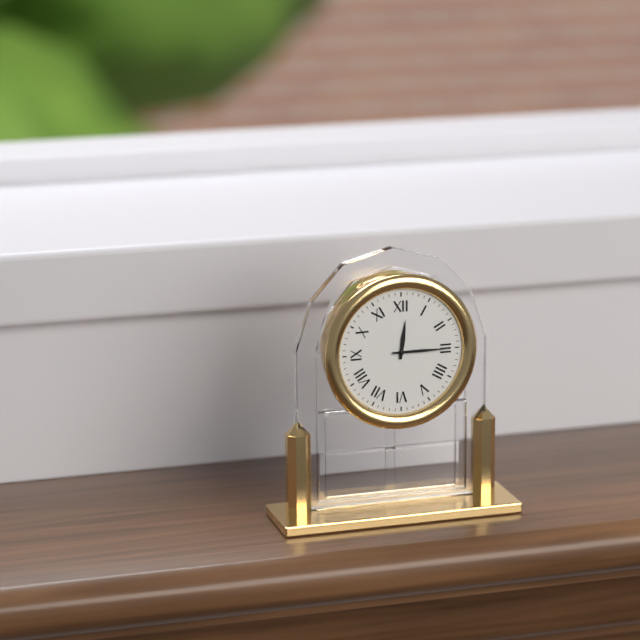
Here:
12,15
